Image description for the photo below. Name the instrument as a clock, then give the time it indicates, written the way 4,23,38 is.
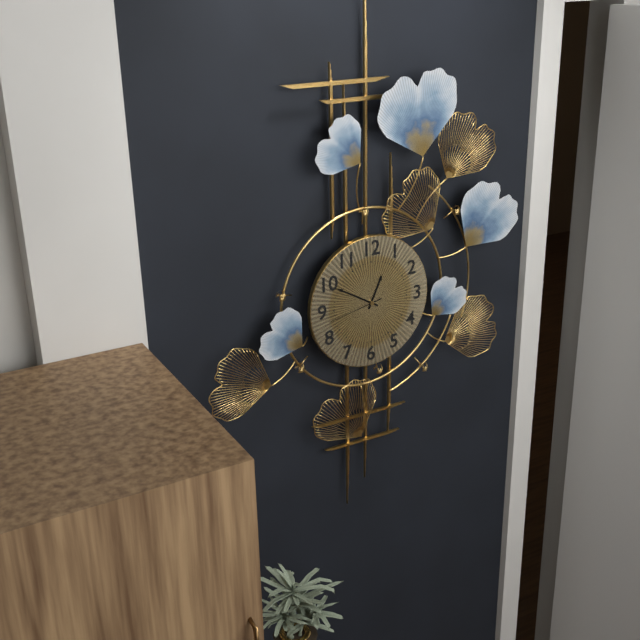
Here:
12,50,43
